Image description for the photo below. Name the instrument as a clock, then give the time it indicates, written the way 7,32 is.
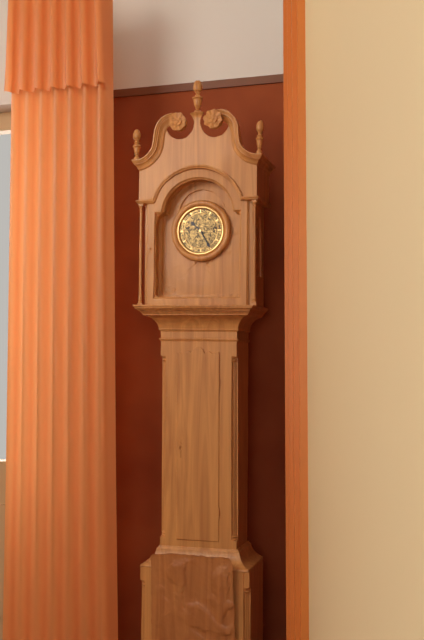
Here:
10,25
